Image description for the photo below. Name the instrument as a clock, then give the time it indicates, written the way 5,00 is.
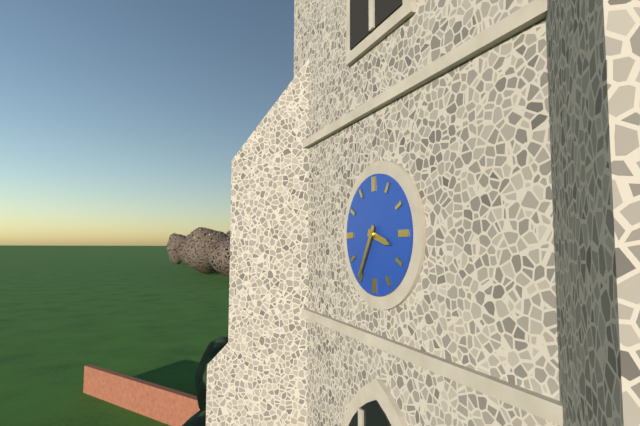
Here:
3,35
